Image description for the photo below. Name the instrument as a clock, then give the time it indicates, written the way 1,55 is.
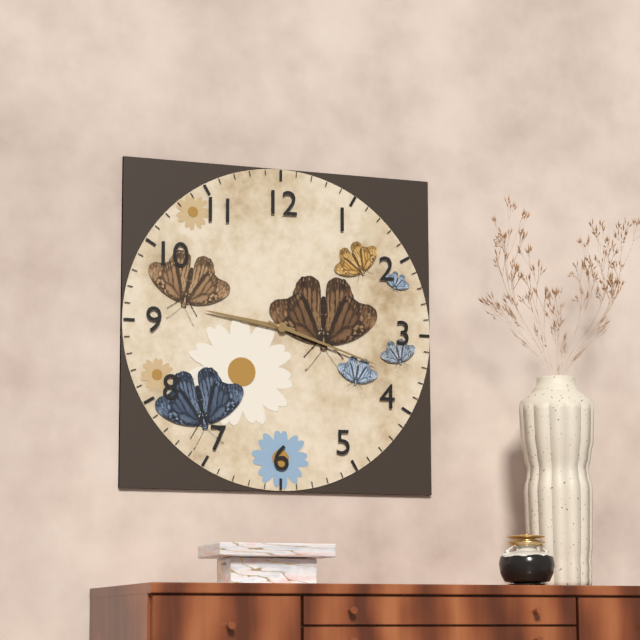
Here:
9,18
